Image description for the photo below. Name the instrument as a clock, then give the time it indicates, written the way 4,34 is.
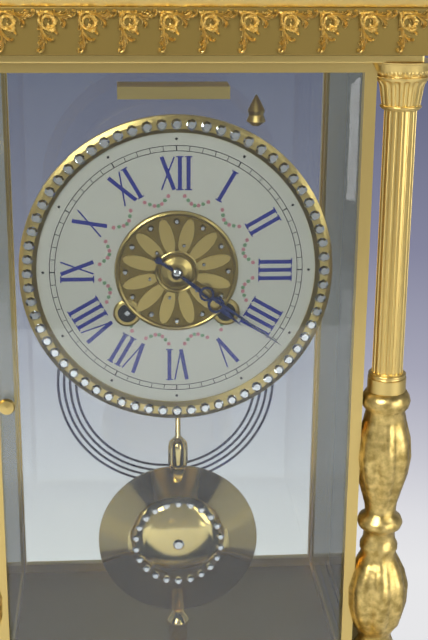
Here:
4,21
